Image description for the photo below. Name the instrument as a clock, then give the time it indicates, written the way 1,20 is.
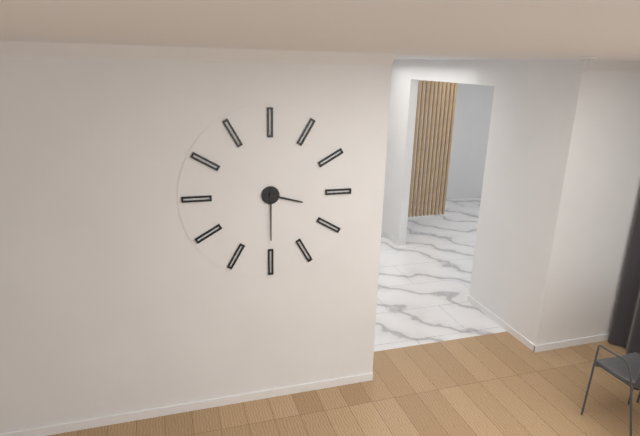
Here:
3,30
